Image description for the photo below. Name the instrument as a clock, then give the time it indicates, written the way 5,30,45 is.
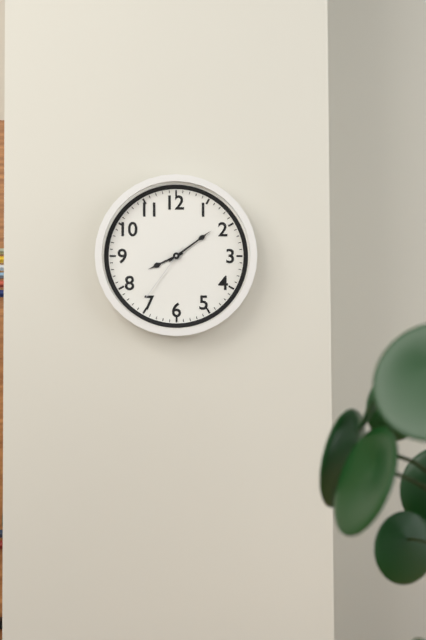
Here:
8,09,36
